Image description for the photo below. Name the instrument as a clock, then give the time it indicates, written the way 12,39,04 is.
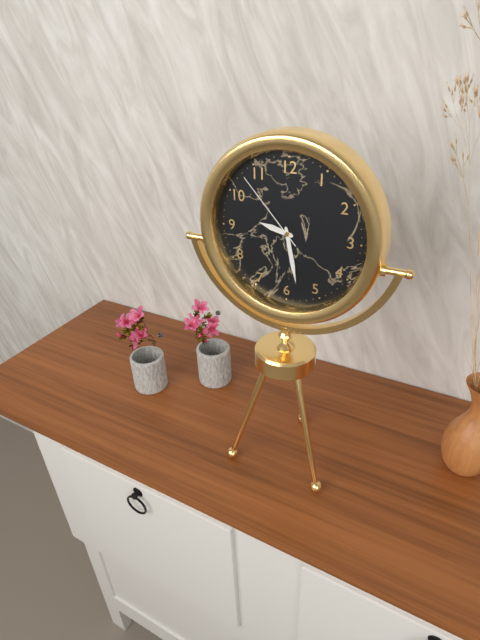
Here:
9,28,53
